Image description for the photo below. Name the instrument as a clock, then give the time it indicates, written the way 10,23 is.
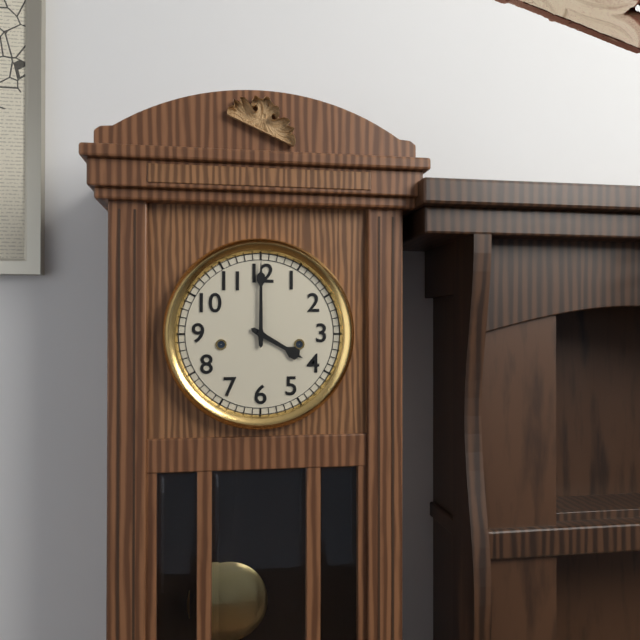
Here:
4,00
